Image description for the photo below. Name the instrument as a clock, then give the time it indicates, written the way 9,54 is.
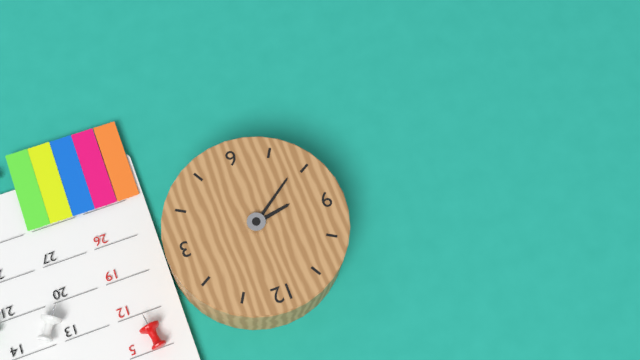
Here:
8,39
